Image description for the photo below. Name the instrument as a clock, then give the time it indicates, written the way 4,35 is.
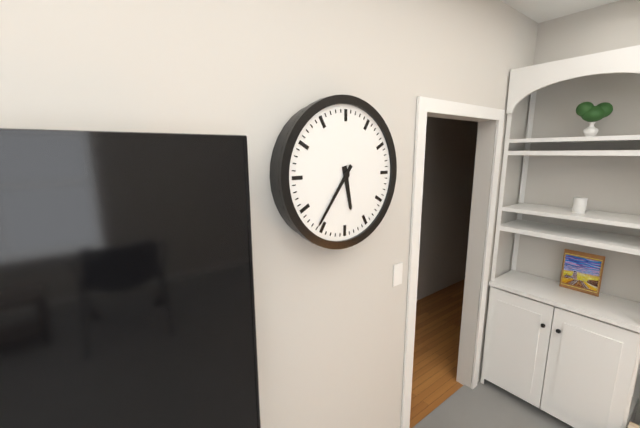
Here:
5,36
